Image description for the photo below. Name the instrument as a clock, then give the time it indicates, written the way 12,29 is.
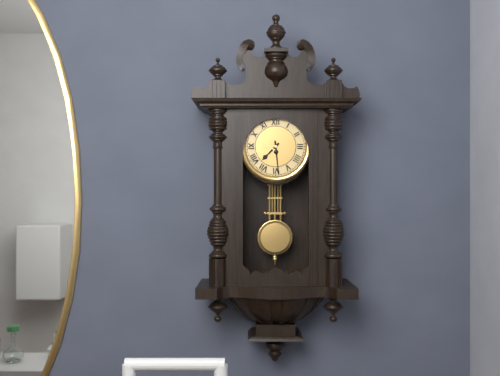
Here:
7,29
